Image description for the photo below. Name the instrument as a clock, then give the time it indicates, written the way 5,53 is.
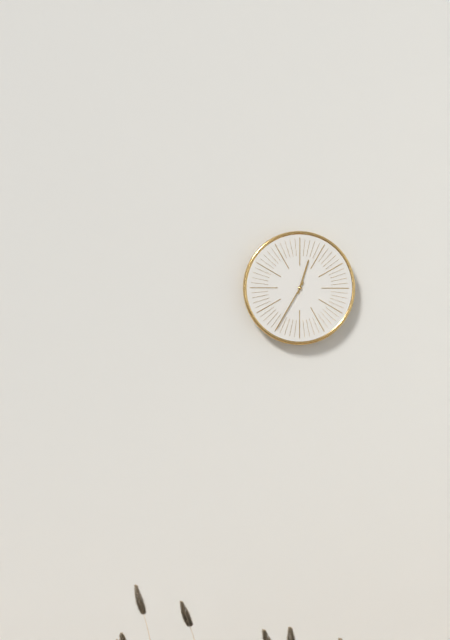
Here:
12,35
